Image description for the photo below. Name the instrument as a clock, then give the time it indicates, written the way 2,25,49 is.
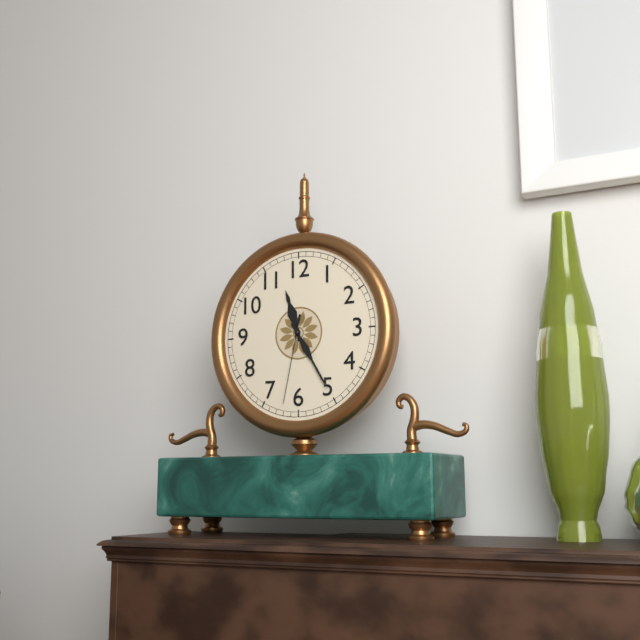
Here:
11,25,32
